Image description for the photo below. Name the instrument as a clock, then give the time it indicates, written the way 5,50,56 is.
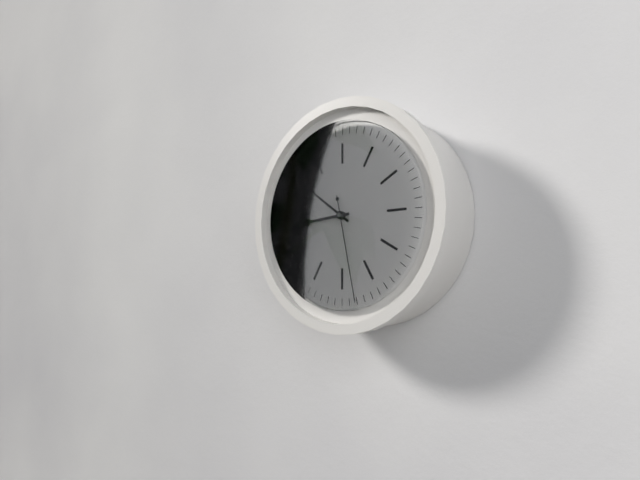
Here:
8,51,28
